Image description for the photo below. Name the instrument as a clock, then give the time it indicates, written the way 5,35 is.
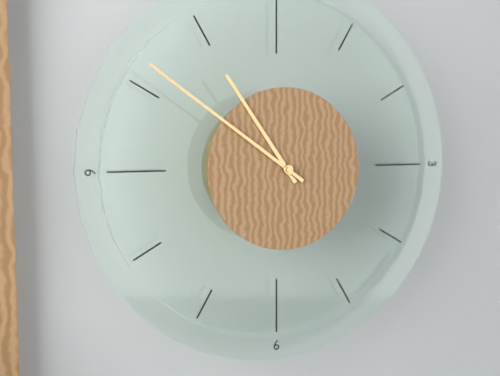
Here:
10,51
